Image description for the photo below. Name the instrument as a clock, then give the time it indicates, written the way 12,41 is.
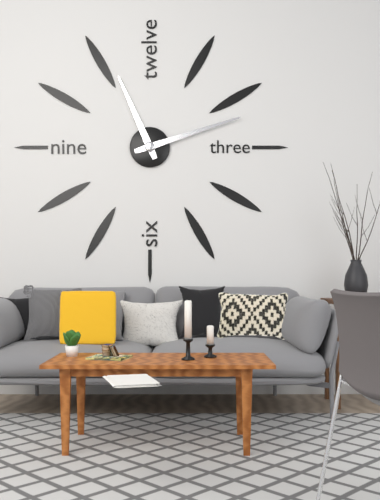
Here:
11,12
